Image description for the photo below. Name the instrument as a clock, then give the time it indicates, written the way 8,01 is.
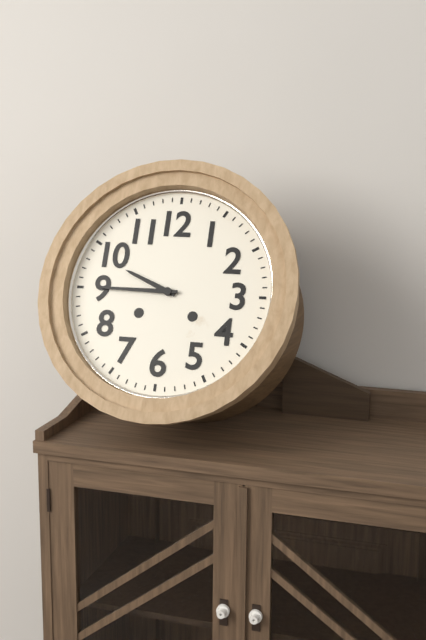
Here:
9,45
